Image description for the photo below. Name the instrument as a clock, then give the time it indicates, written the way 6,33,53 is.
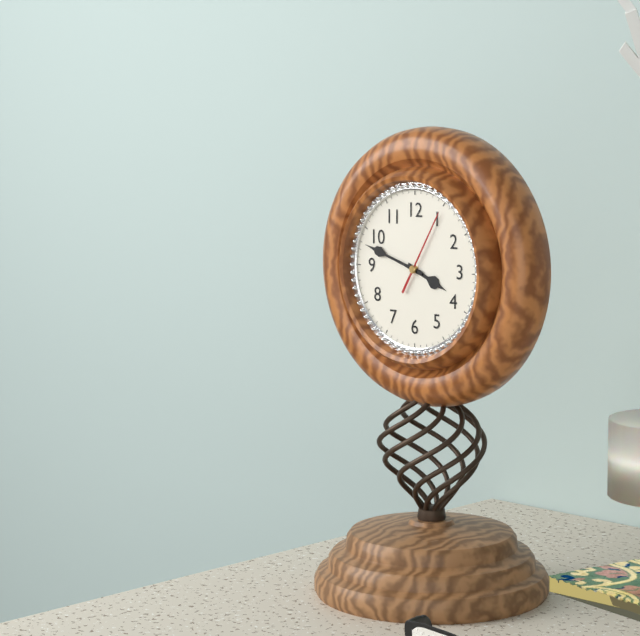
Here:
3,48,05
